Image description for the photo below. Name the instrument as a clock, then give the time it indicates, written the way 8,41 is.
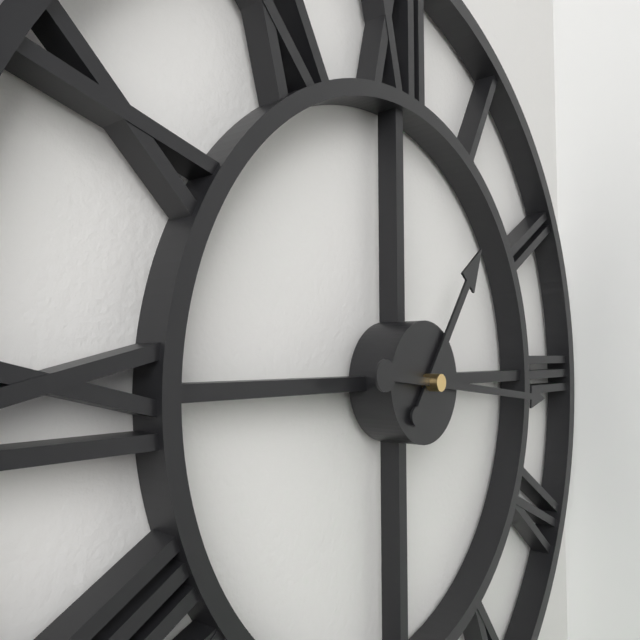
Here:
1,16
